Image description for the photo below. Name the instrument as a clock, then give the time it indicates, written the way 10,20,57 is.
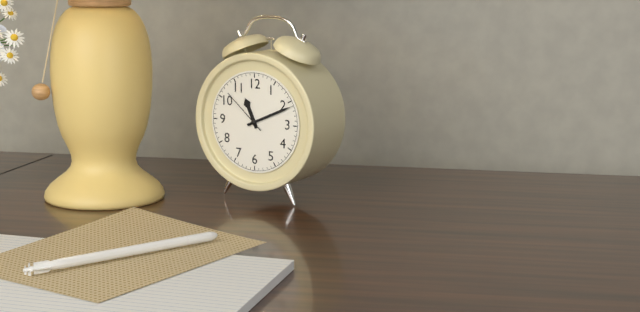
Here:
11,11,52
